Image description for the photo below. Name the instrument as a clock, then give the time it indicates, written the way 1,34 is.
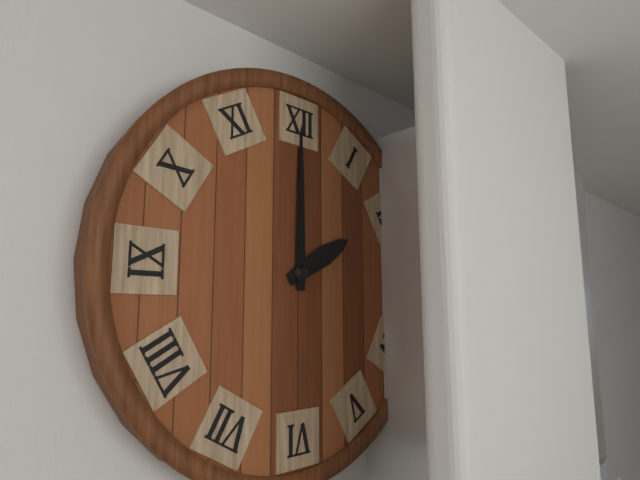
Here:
2,00
